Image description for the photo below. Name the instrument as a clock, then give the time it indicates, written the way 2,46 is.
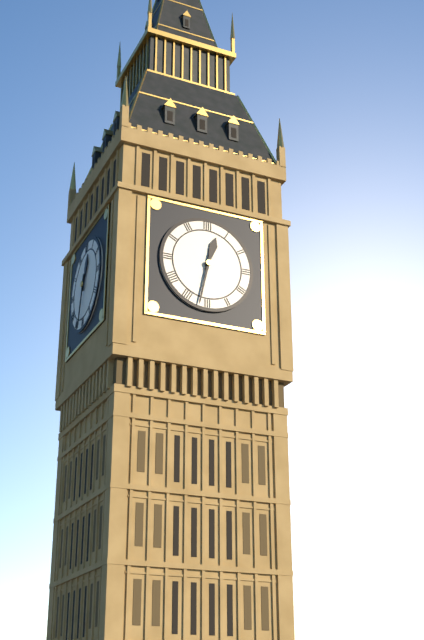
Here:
12,32
